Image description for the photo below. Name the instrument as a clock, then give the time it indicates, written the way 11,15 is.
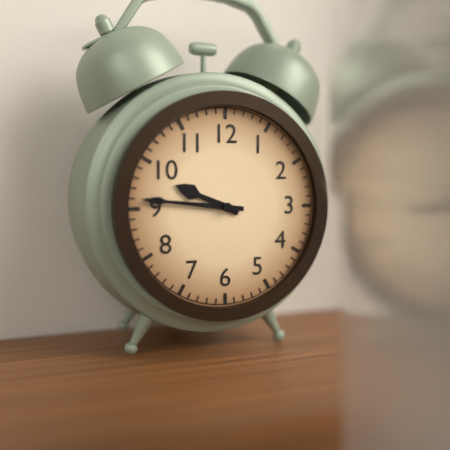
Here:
9,46
